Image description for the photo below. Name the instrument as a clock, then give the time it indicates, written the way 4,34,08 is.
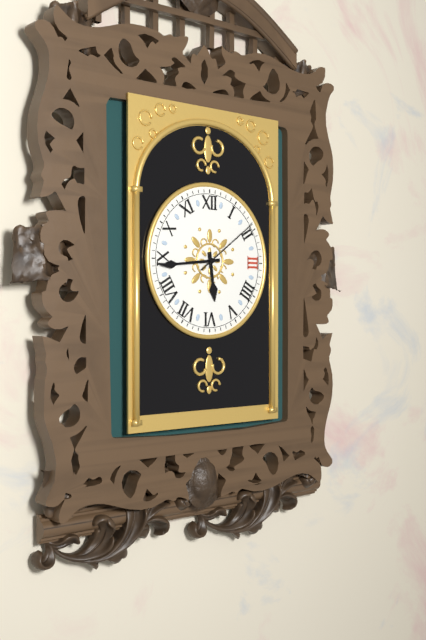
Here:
5,44,09
